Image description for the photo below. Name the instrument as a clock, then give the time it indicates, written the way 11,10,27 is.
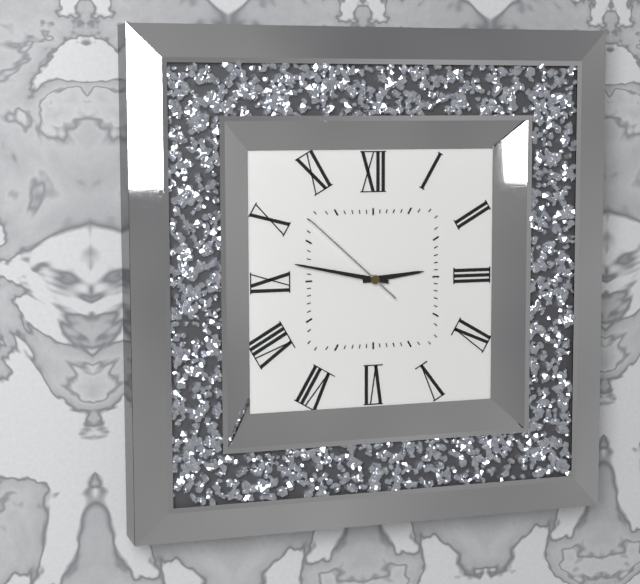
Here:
2,47,52
